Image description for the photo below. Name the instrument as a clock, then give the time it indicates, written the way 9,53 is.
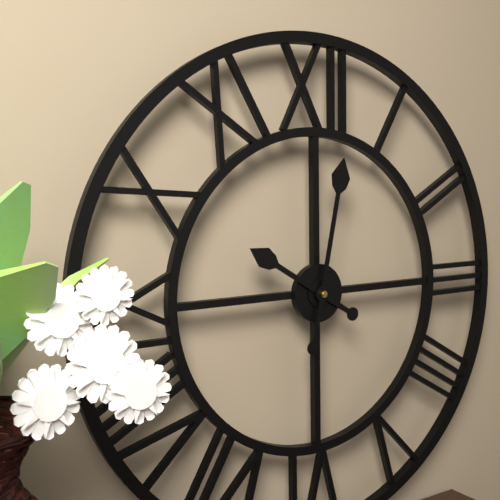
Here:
10,02
